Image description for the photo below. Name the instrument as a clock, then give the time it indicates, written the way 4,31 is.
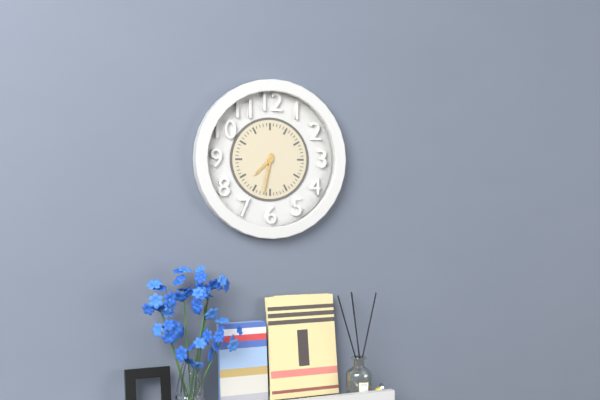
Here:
7,32
